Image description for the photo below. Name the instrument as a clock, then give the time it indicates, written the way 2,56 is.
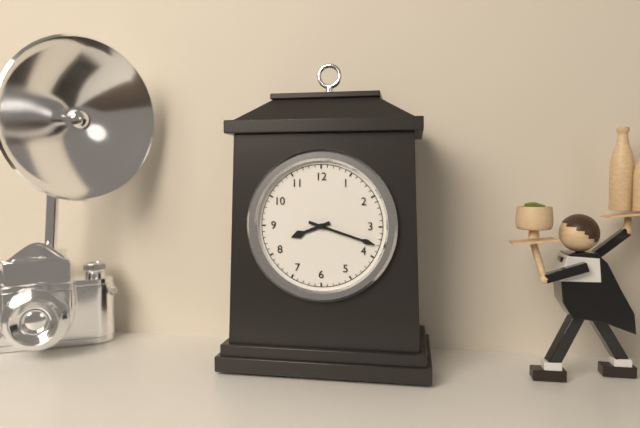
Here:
8,18
